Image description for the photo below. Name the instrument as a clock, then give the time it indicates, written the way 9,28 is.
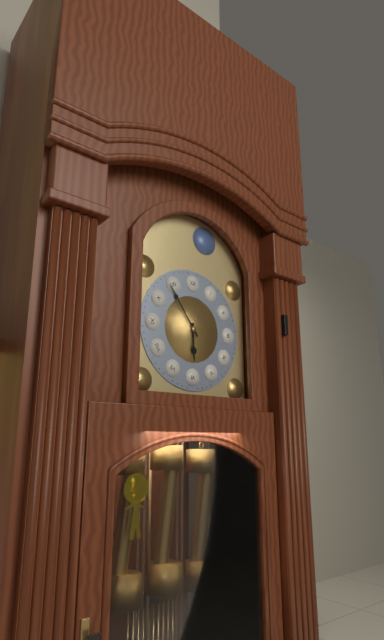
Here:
5,54
